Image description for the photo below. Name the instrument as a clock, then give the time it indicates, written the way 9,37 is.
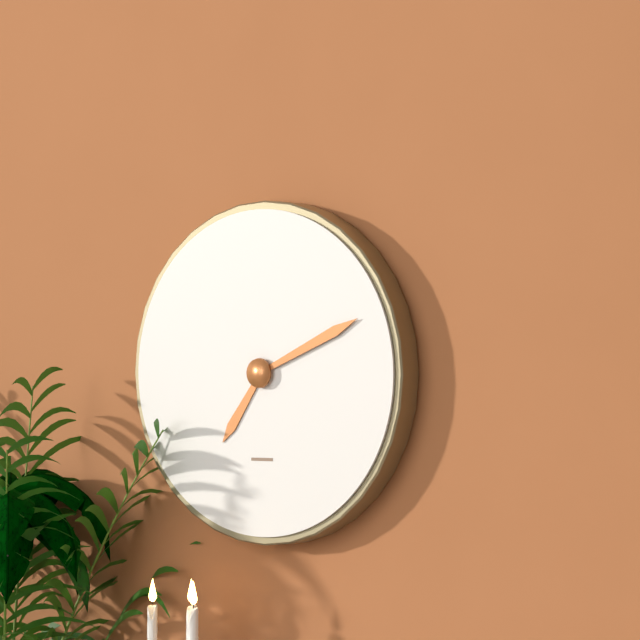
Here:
7,11
